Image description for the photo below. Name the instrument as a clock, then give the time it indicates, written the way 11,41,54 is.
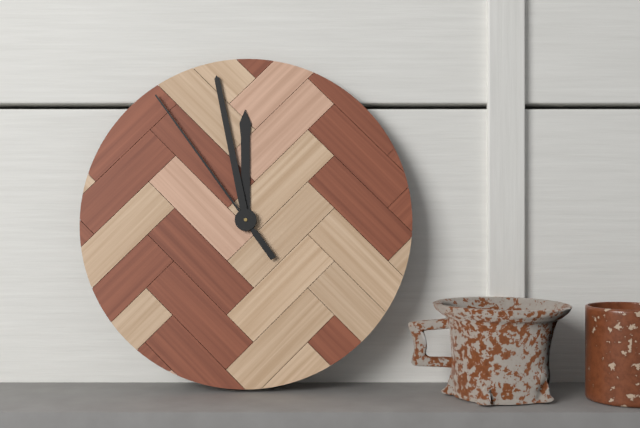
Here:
11,58,54
